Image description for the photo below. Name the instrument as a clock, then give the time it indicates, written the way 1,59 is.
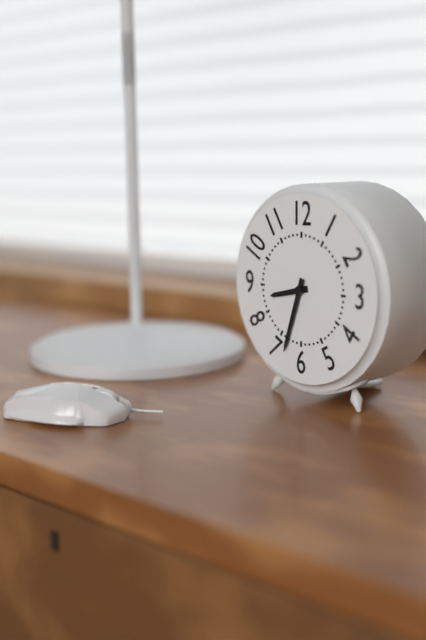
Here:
8,33
